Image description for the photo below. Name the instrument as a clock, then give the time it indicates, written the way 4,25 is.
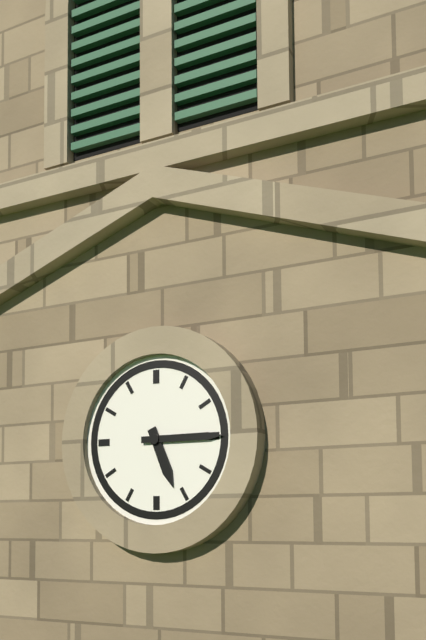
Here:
5,15
